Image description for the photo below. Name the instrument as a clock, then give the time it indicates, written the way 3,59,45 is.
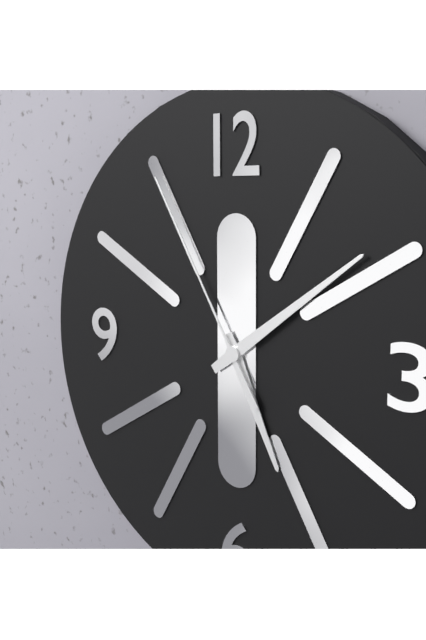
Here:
5,09,55
